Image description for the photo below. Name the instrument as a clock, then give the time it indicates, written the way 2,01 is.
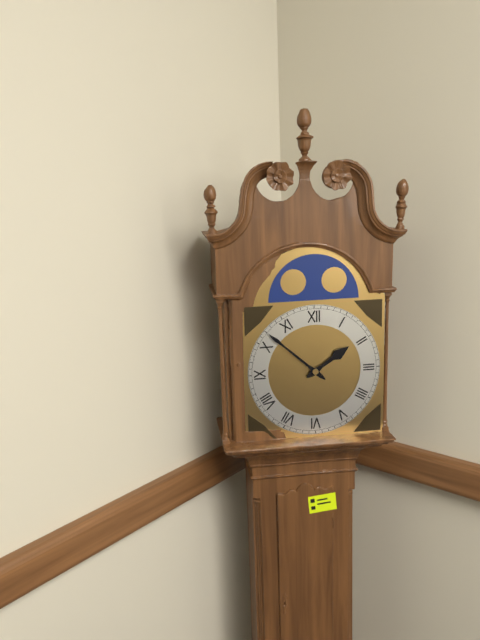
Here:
1,52
